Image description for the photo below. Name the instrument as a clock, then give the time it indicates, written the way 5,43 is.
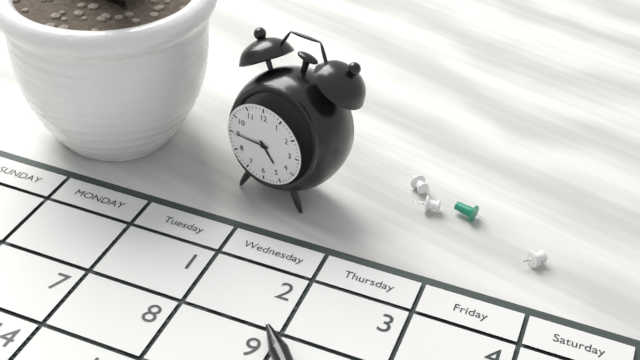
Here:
4,45
